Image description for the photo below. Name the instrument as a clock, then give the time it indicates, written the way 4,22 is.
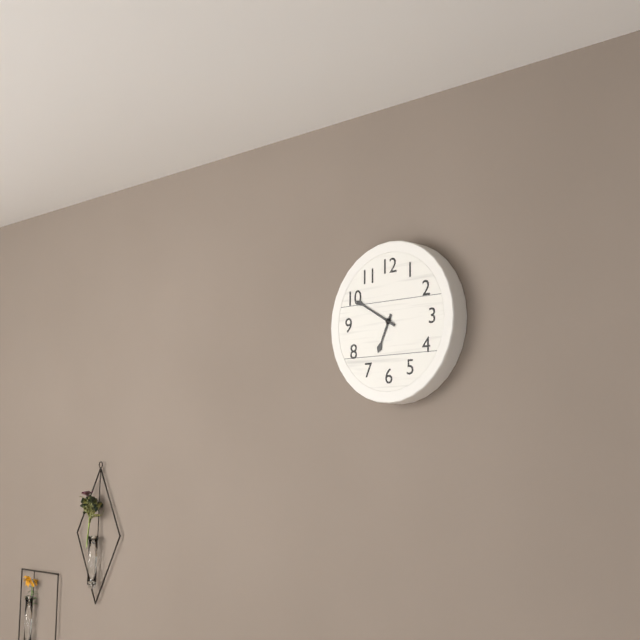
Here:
6,50
